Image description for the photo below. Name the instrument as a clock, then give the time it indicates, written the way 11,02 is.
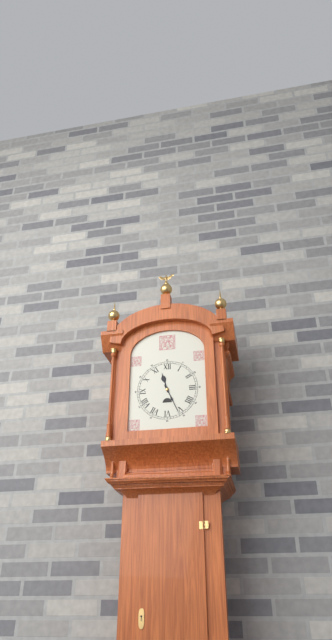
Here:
11,26
